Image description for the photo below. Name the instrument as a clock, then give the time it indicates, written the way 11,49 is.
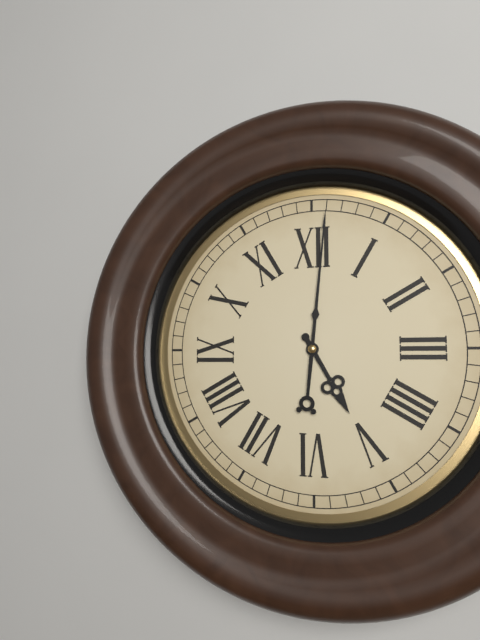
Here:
5,01
